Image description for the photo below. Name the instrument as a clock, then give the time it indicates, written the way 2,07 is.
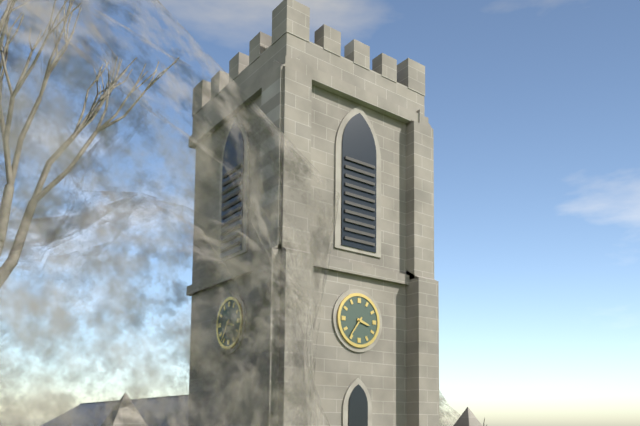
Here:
3,36
